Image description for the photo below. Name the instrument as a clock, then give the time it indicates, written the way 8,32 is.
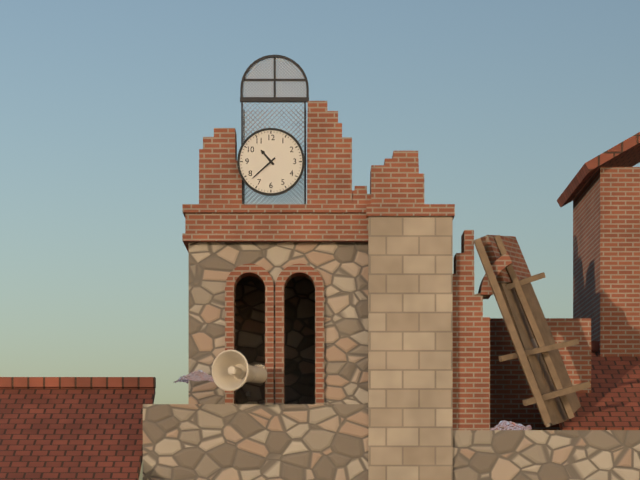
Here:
10,38
